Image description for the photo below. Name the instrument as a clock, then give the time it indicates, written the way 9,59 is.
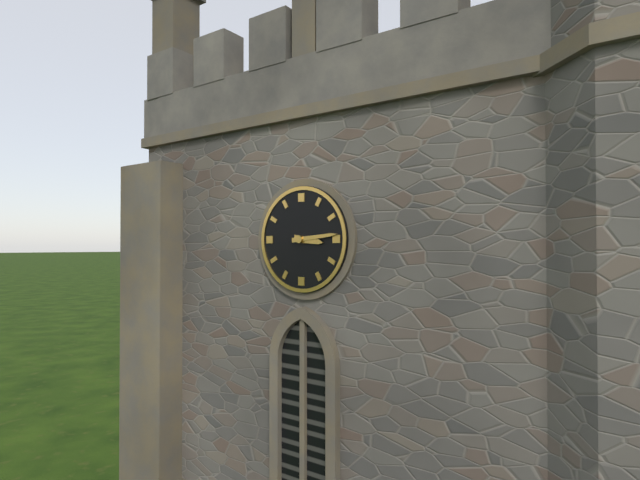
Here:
3,14
